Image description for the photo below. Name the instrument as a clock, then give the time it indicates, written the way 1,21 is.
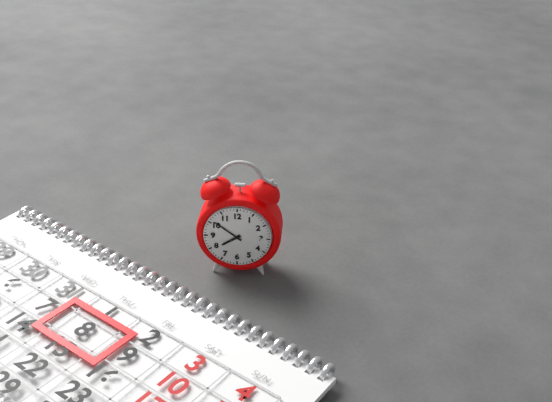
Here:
7,51
